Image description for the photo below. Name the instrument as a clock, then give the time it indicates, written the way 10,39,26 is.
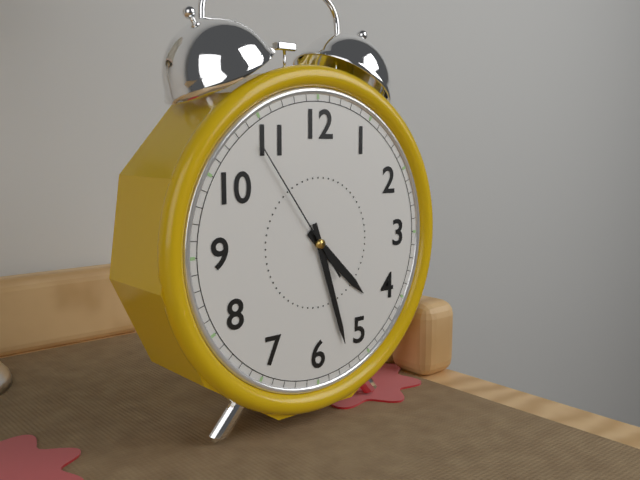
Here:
4,27,54
